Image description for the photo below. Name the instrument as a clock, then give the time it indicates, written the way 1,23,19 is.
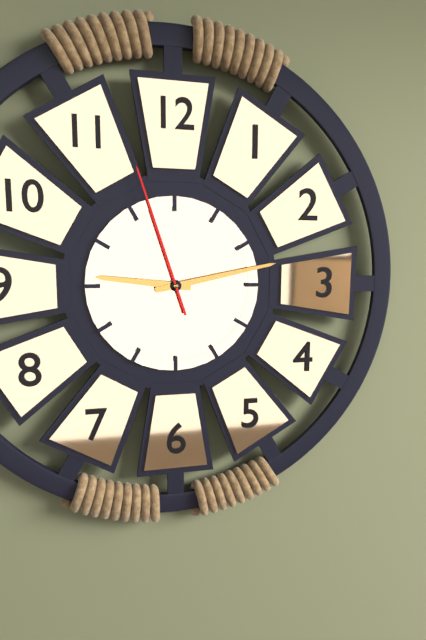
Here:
9,13,57
